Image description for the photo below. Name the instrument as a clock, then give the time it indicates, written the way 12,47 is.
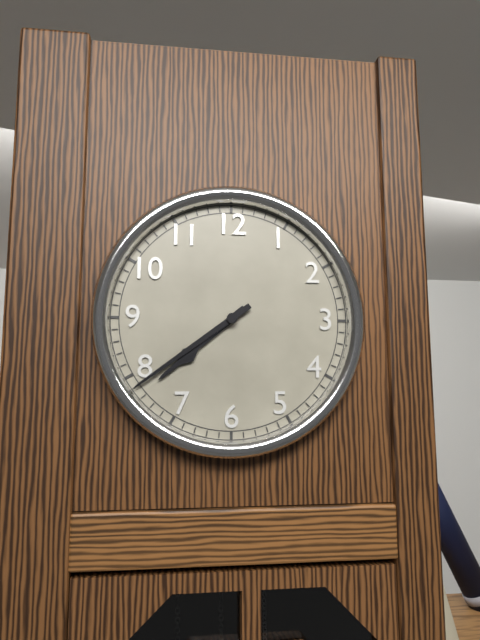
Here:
7,39
